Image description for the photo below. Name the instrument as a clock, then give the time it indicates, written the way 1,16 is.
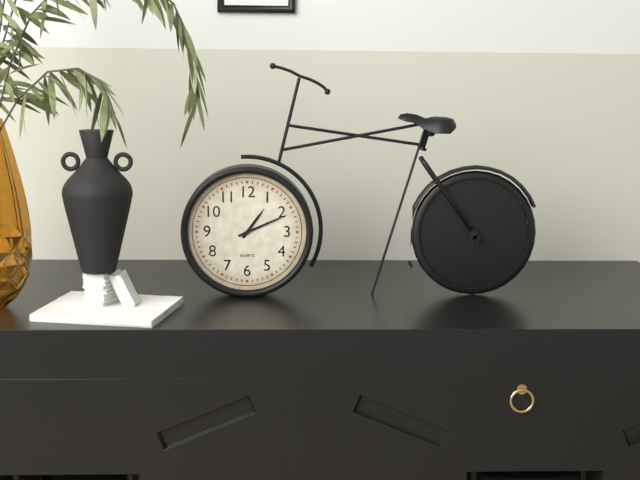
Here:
1,11
